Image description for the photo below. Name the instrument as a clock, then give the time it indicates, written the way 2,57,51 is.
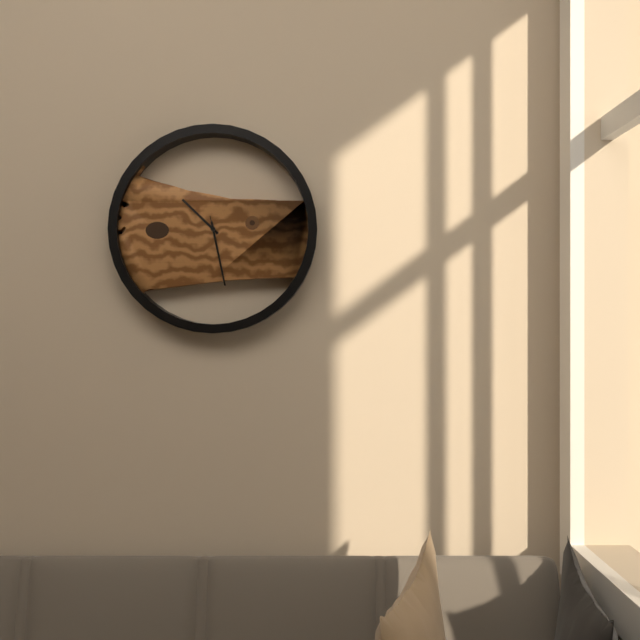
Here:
10,28,28
